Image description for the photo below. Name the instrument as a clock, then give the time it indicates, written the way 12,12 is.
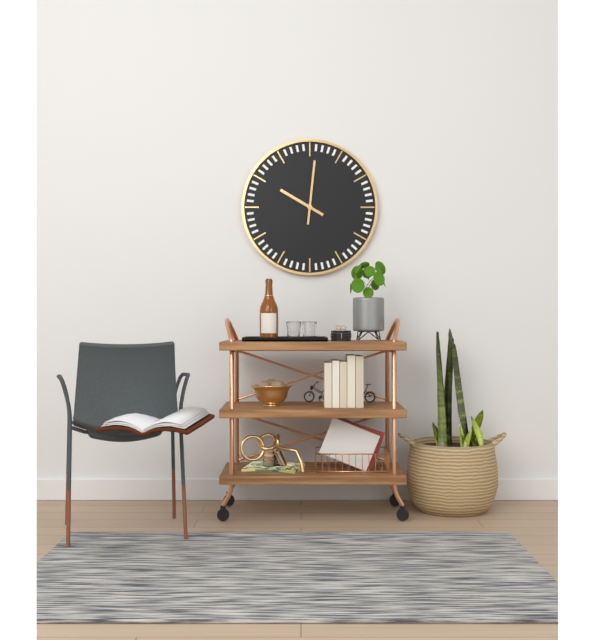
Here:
10,01
